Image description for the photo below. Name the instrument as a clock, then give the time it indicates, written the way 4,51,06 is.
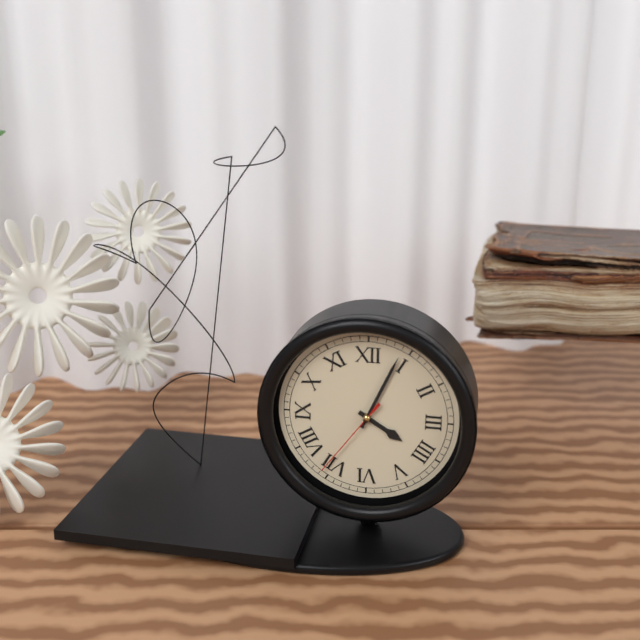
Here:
4,04,36
